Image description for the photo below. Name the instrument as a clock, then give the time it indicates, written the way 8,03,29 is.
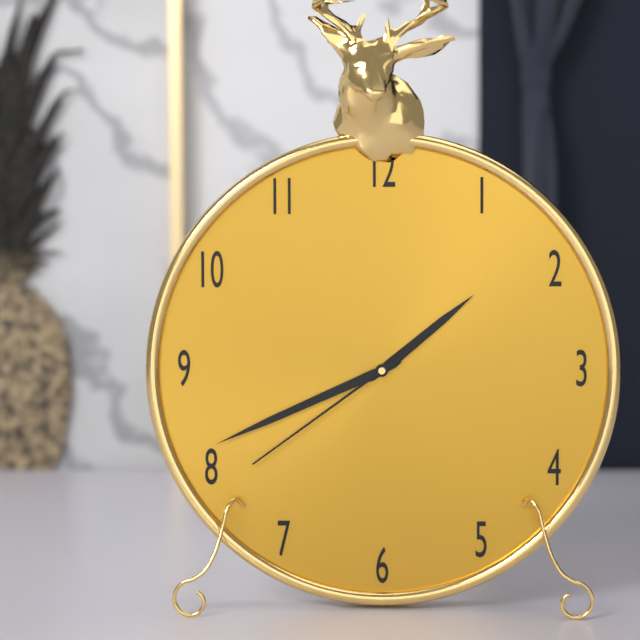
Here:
1,41,39
